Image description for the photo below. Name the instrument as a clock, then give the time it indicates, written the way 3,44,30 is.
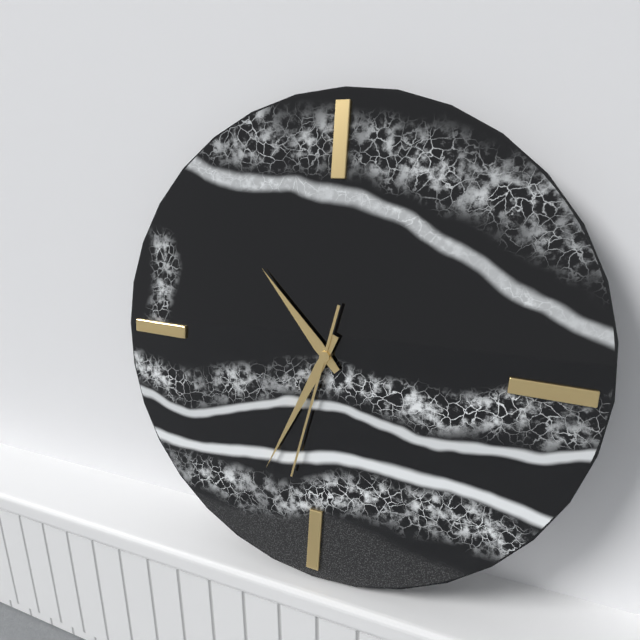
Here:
10,34,32
